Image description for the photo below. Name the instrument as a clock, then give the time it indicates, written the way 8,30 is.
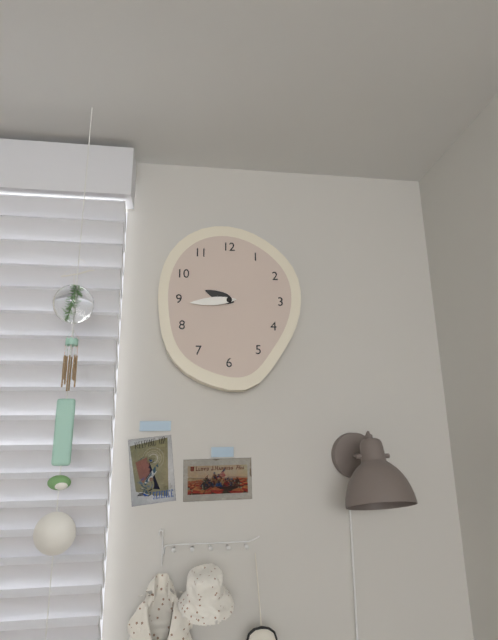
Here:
9,44
